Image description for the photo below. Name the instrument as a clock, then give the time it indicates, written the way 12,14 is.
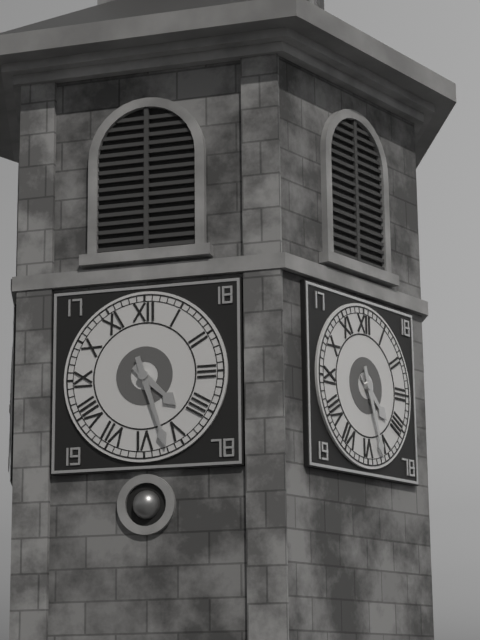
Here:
4,27
